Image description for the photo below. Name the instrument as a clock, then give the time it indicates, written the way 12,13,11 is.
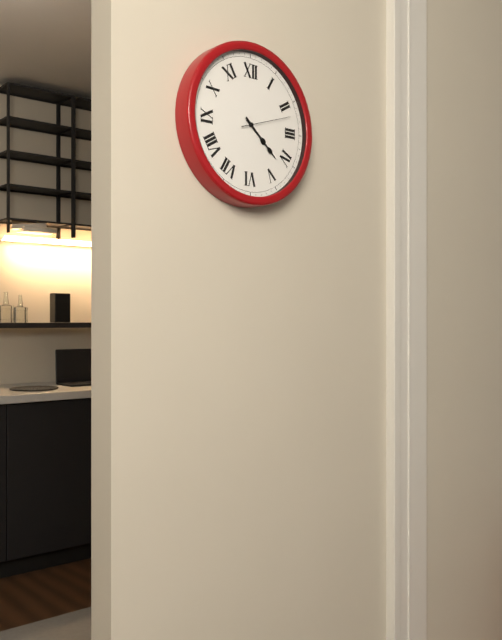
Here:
4,22,12
